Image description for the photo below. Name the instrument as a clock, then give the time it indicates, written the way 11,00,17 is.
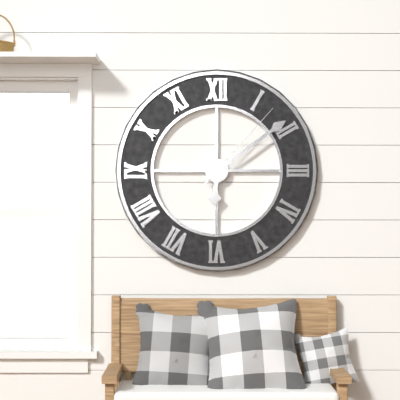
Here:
6,09,07
